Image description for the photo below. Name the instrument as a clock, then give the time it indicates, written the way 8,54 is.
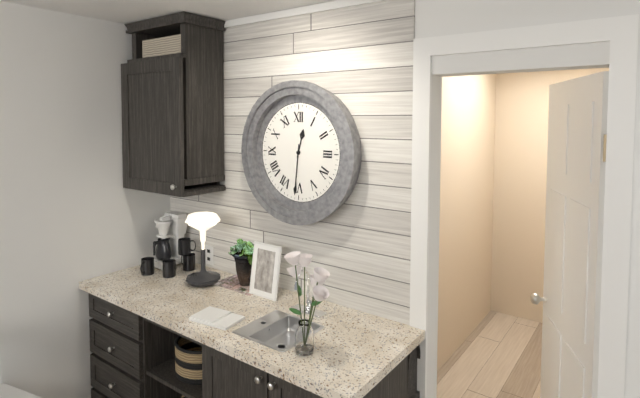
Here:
12,31
